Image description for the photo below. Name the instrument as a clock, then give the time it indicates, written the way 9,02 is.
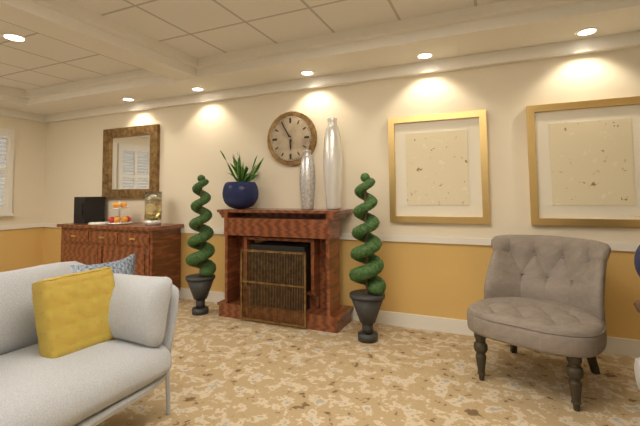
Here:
5,55
